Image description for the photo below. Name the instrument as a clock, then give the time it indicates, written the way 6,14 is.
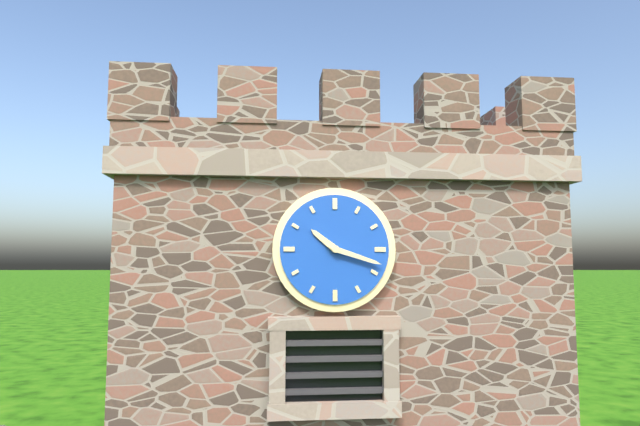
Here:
10,18
